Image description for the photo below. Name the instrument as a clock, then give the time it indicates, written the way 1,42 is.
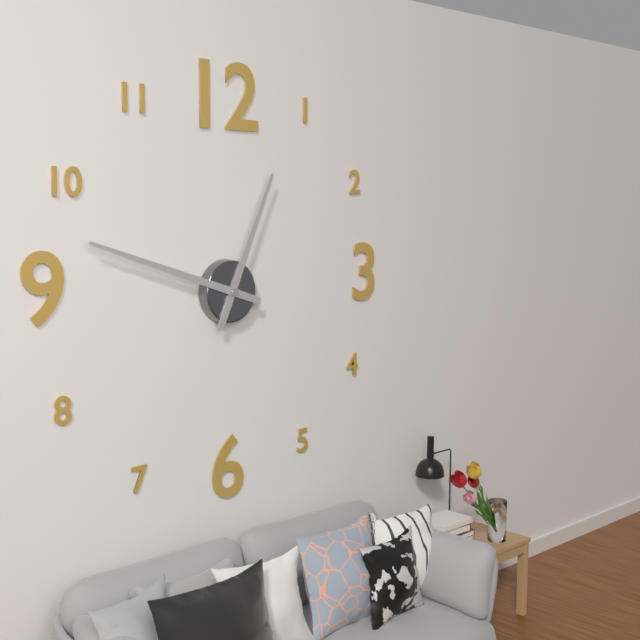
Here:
12,48
